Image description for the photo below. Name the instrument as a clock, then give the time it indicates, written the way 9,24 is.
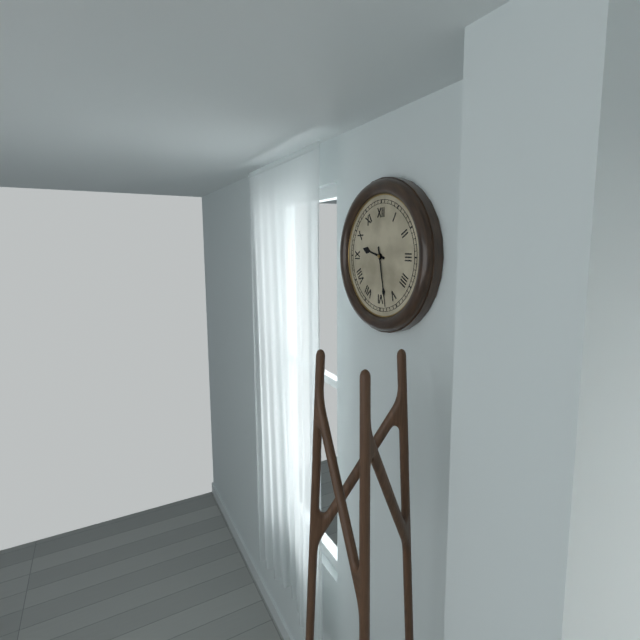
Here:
9,28
